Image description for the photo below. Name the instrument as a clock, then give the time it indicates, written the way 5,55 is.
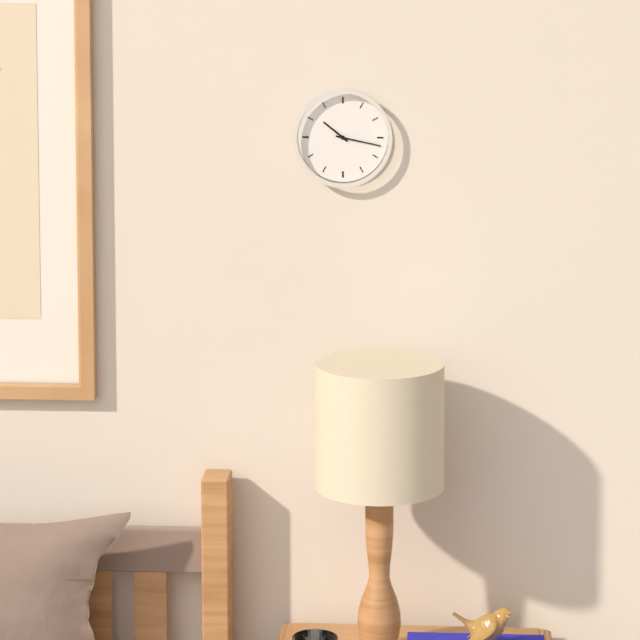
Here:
10,17
